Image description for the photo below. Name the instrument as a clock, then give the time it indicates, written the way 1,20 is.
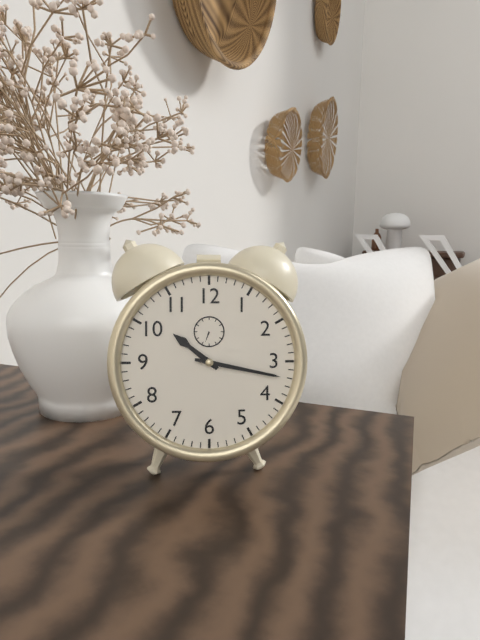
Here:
10,17
